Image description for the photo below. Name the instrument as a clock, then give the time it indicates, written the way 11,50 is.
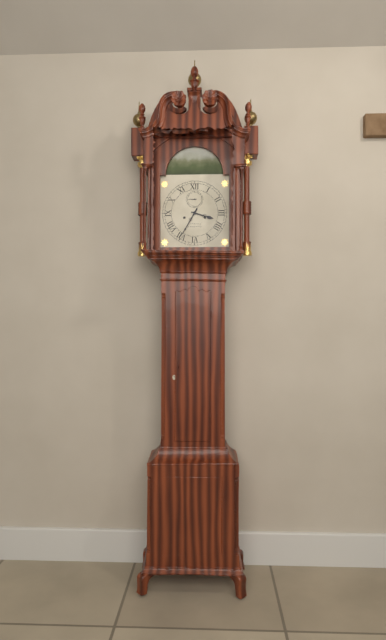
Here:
3,35
